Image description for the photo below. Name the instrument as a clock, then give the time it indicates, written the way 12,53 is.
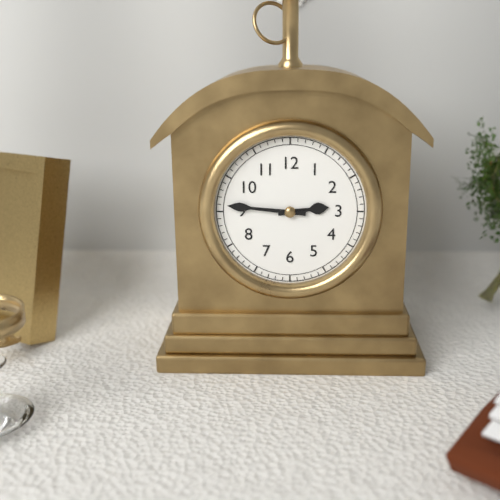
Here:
2,46
